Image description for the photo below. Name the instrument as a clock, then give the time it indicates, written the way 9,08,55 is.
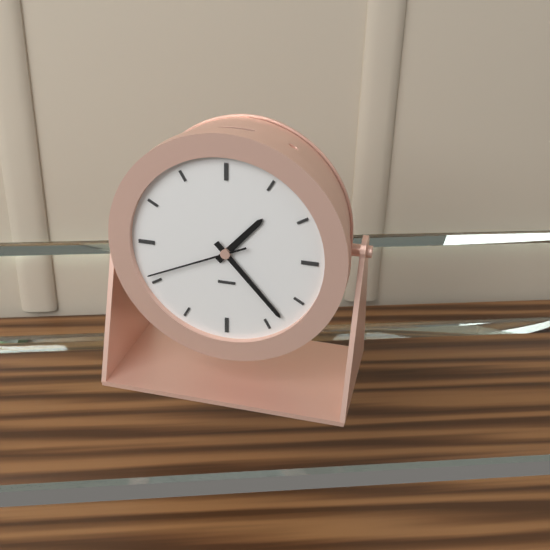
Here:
1,23,41
